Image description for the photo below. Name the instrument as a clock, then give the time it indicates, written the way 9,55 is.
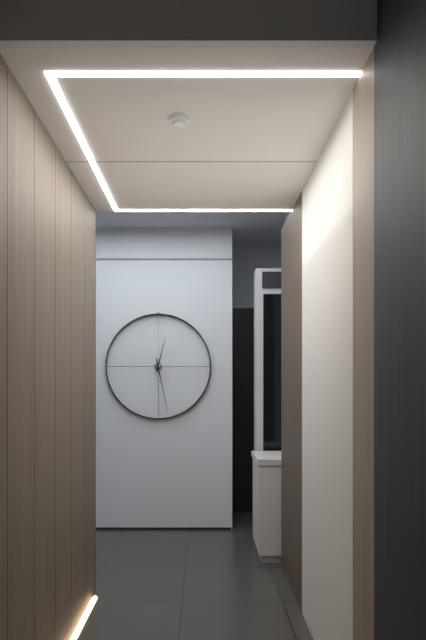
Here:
12,28
